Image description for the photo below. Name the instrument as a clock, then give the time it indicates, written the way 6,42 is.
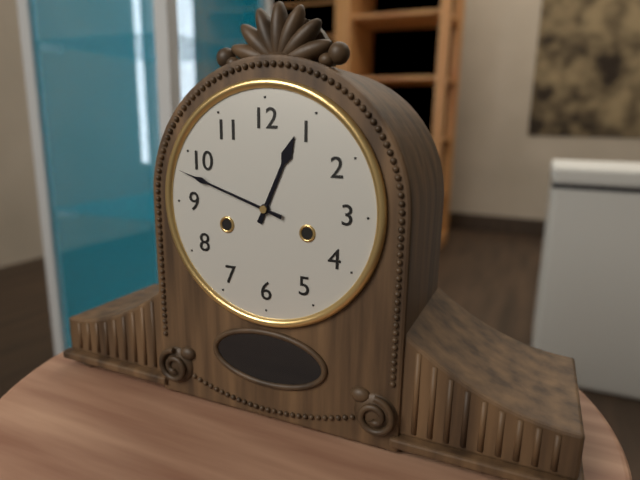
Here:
12,48
